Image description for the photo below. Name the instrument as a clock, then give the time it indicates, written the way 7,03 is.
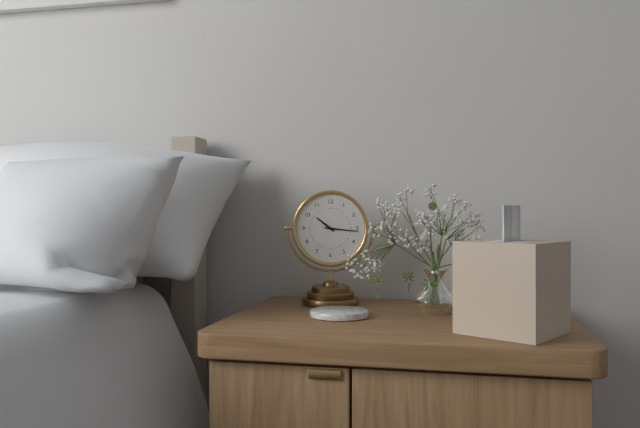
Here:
10,16
